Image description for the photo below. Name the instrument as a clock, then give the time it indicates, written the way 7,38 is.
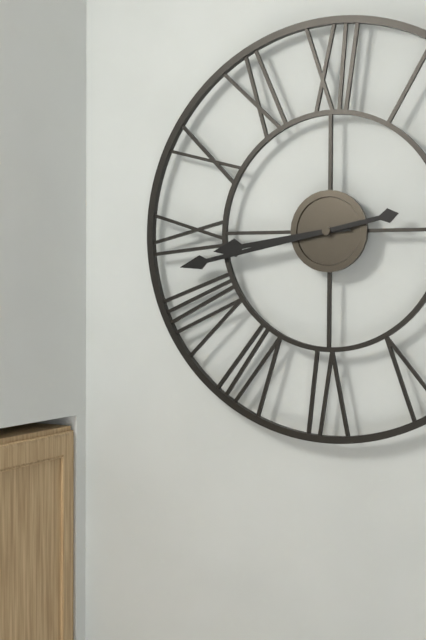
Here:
8,43
